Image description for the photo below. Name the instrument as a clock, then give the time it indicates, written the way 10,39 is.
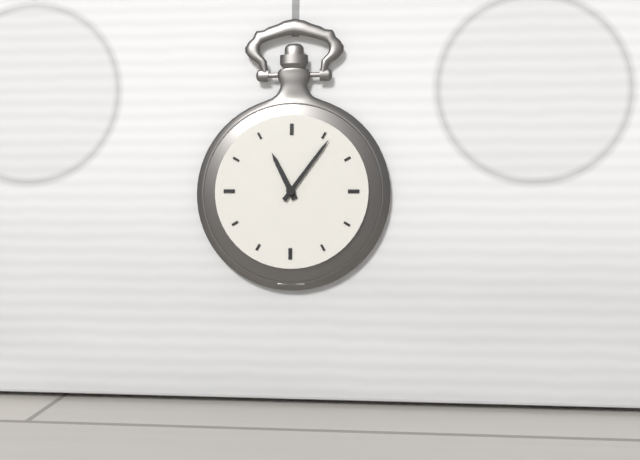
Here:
11,06
